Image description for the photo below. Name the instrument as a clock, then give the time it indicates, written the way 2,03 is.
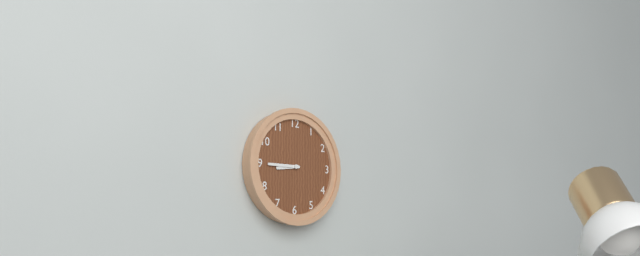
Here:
8,45
